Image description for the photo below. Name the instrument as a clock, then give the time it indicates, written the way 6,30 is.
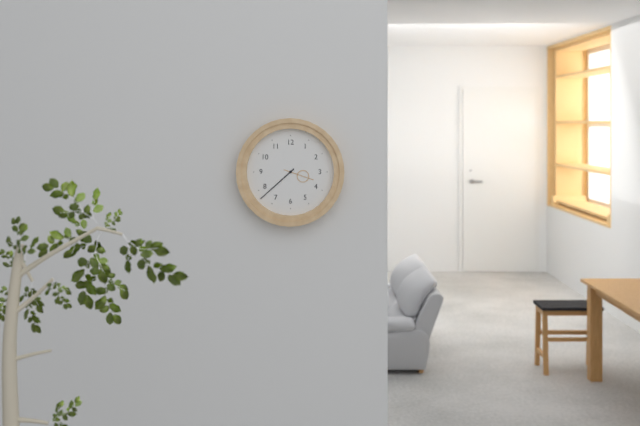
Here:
3,38
